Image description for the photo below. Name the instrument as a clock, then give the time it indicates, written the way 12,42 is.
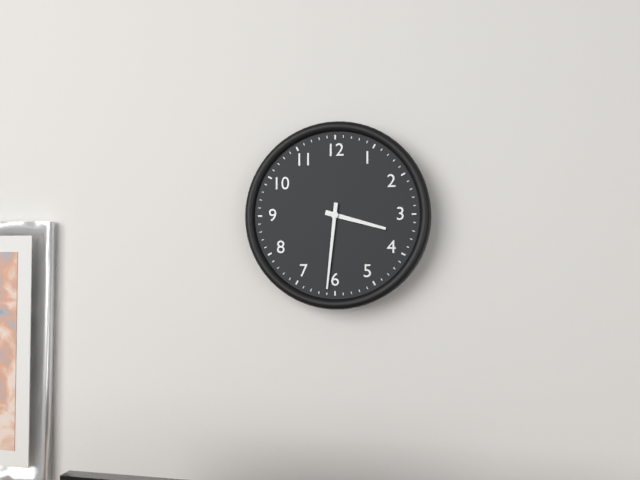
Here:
3,31
